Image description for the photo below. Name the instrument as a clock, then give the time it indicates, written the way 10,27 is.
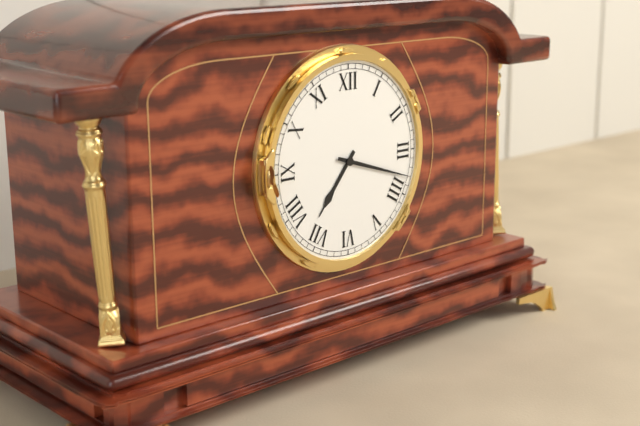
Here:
7,18
